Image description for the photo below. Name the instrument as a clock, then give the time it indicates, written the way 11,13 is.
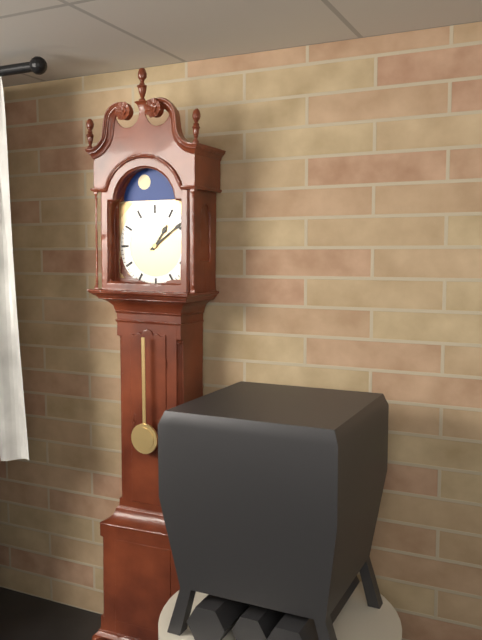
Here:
1,09
